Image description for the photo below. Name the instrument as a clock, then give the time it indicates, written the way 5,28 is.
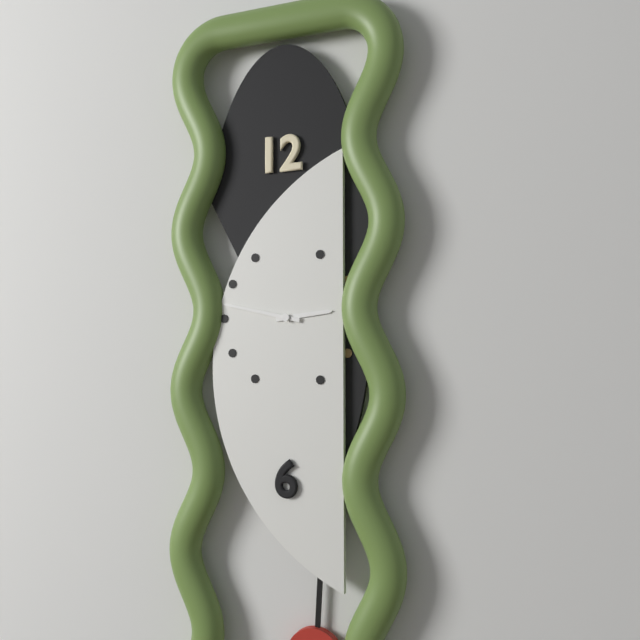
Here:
2,47
